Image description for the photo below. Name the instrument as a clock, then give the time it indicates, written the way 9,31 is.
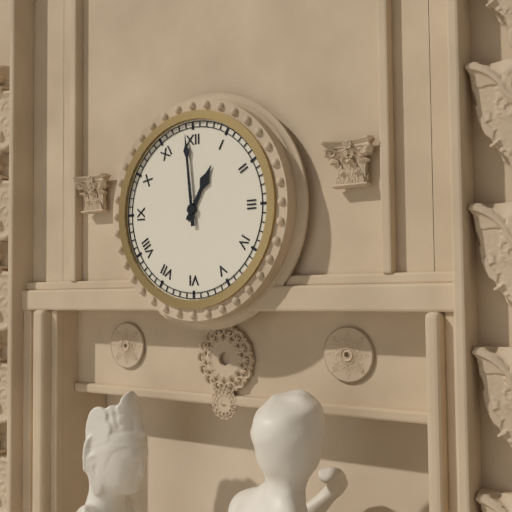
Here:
12,59
